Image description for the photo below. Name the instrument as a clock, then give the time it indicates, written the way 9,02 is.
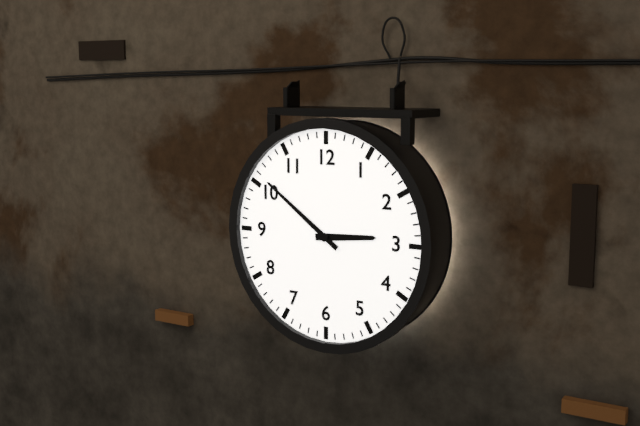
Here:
2,51
